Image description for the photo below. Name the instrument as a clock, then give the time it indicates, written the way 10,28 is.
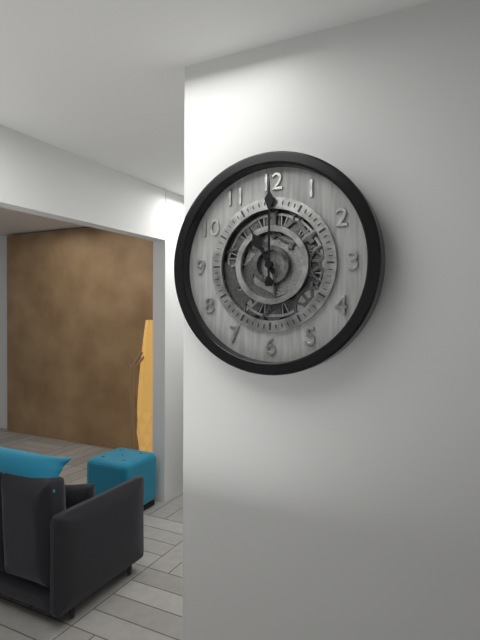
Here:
11,00
